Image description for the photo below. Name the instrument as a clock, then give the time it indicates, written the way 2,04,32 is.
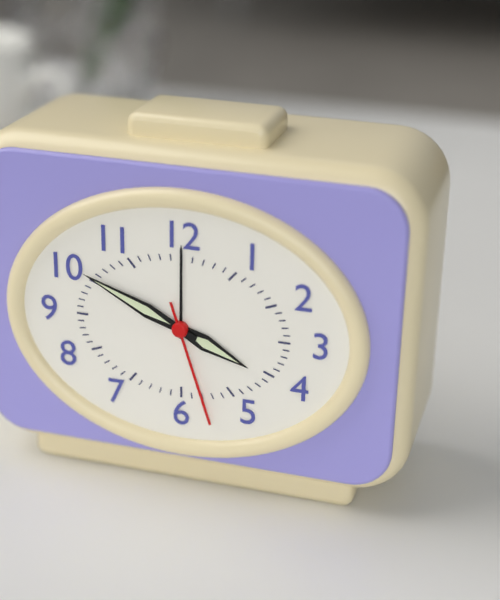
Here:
3,49,27
